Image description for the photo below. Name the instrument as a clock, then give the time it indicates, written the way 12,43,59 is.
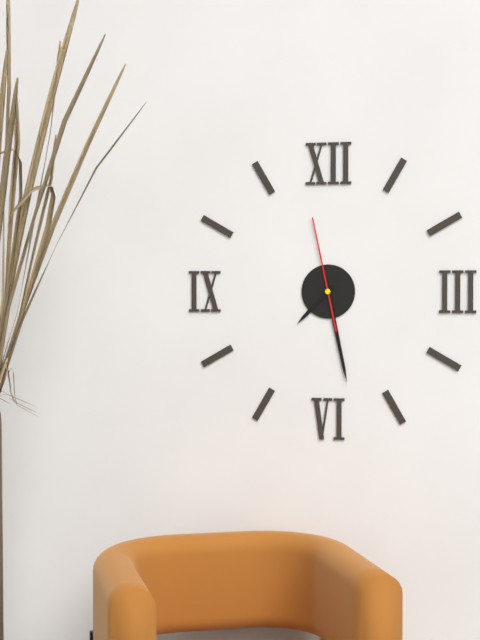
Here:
7,28,58
